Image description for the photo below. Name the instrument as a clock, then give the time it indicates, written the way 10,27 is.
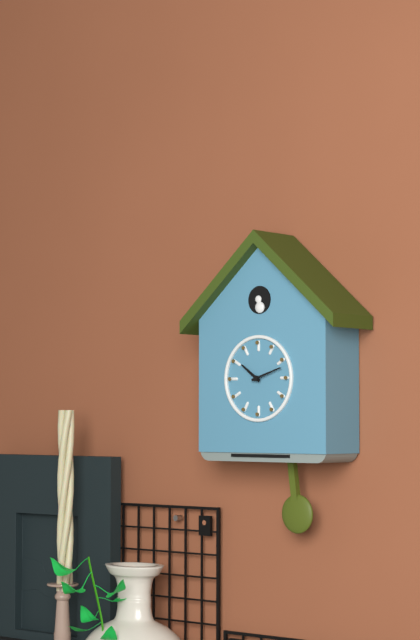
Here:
10,12
